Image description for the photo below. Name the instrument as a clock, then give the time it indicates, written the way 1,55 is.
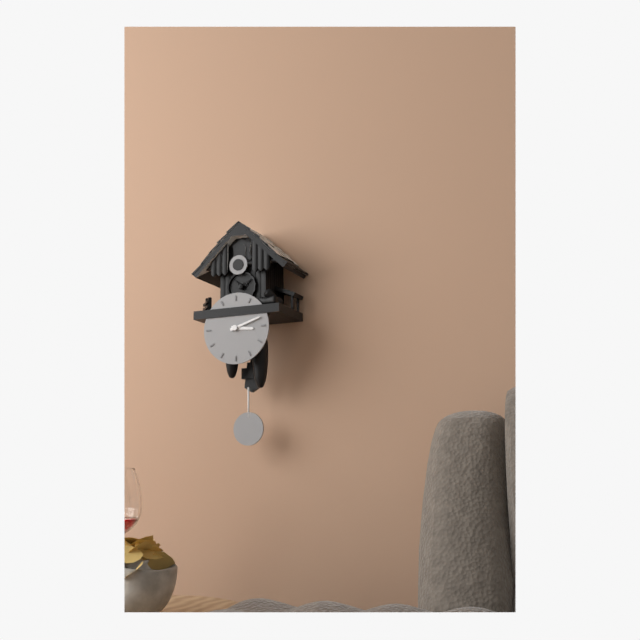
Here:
3,12
